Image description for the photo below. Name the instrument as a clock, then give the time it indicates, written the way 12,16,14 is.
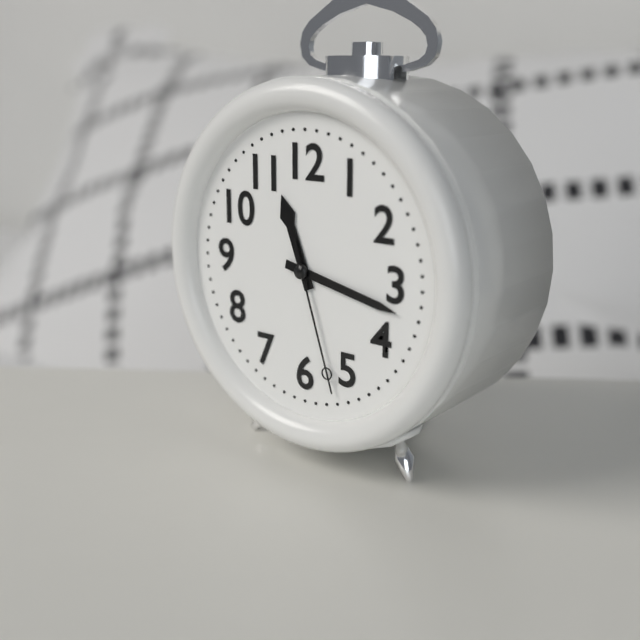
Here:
11,17,27
